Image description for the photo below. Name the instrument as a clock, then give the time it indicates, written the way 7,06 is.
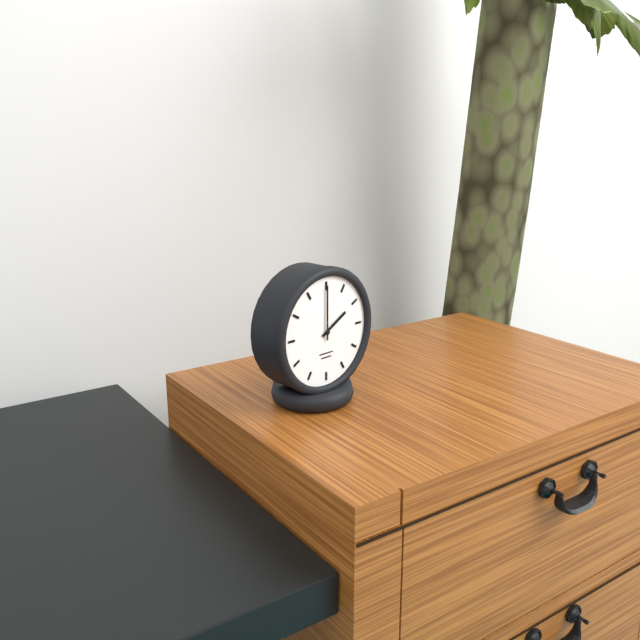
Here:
2,00
